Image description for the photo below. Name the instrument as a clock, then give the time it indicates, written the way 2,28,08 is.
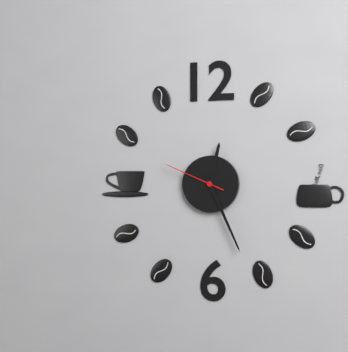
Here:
12,26,49
